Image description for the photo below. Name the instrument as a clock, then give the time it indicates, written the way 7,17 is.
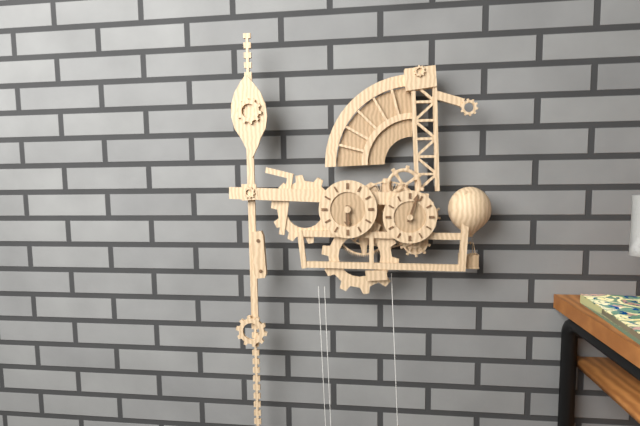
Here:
6,03
